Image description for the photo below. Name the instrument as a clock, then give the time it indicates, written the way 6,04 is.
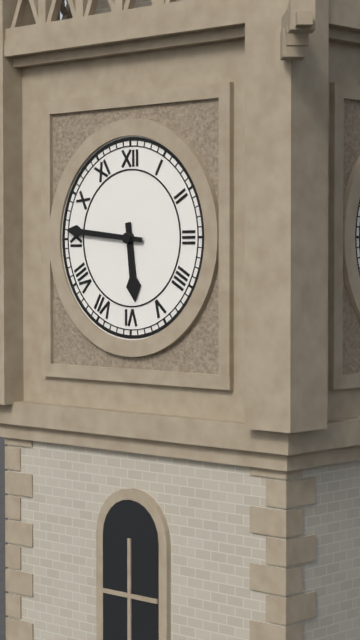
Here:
5,46
